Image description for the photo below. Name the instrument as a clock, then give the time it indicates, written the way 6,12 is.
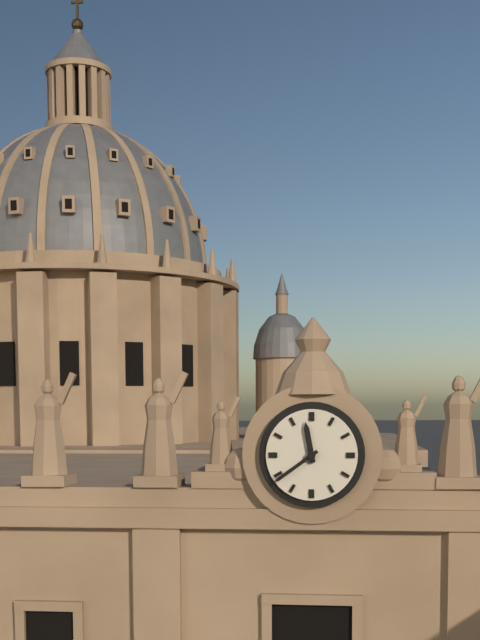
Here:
11,39
